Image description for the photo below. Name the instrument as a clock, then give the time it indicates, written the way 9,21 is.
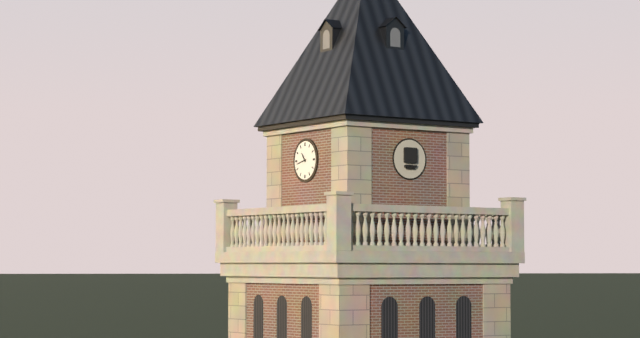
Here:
10,43
